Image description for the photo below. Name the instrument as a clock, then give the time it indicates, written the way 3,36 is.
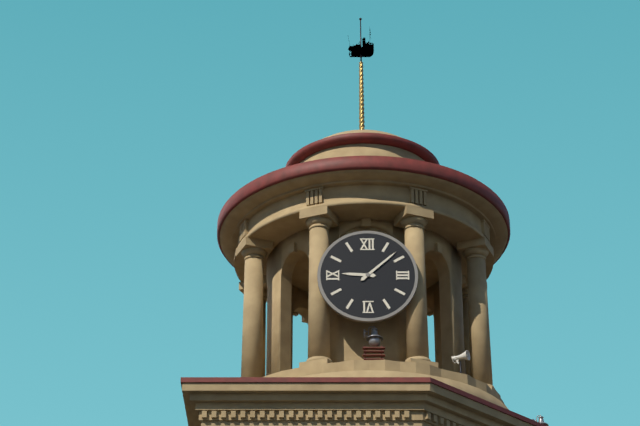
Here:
9,08
